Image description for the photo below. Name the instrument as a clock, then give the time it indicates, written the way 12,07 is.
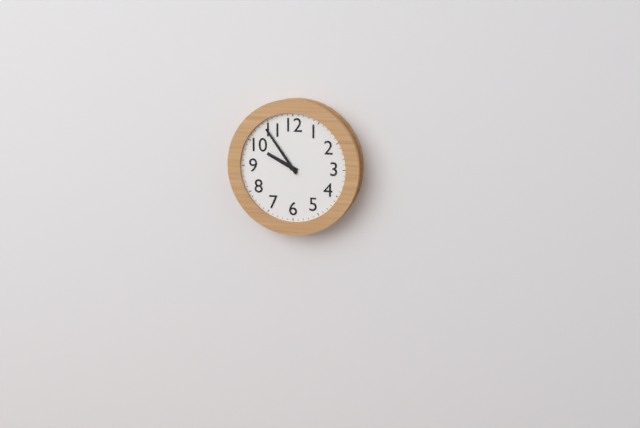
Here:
9,54
